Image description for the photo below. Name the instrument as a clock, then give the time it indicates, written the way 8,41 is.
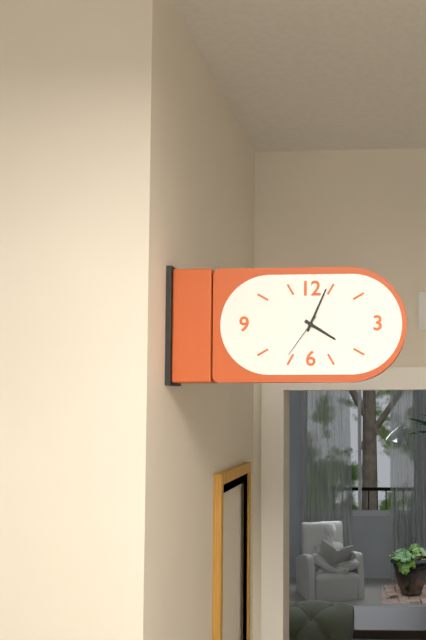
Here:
4,04
